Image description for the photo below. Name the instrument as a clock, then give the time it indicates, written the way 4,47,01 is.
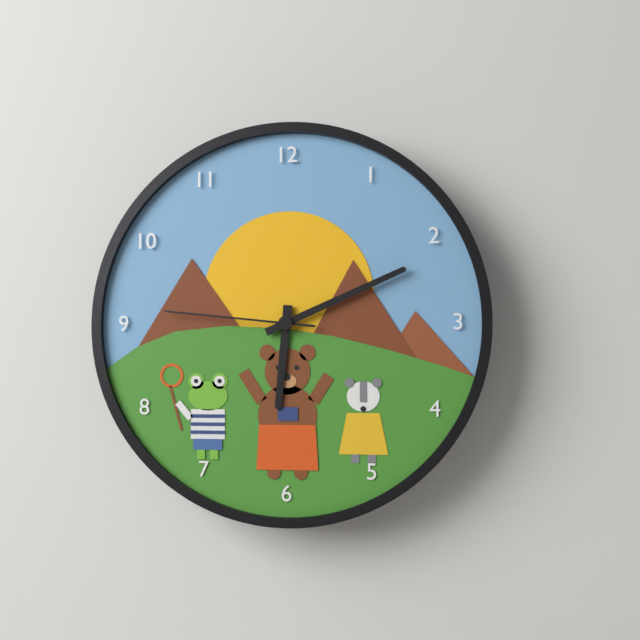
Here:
6,11,46
